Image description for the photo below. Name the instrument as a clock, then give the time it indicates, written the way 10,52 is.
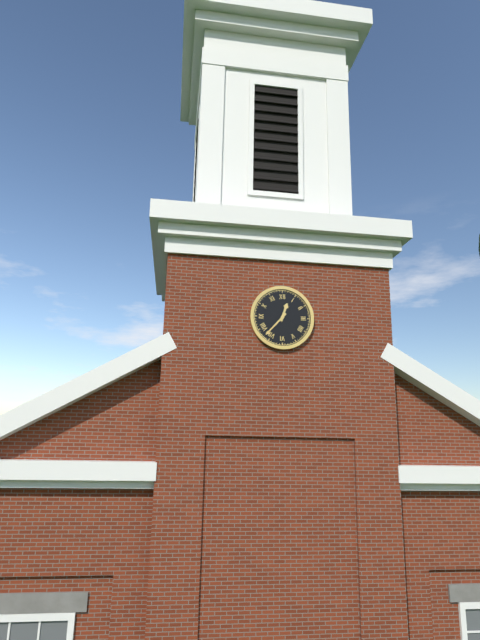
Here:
12,37
